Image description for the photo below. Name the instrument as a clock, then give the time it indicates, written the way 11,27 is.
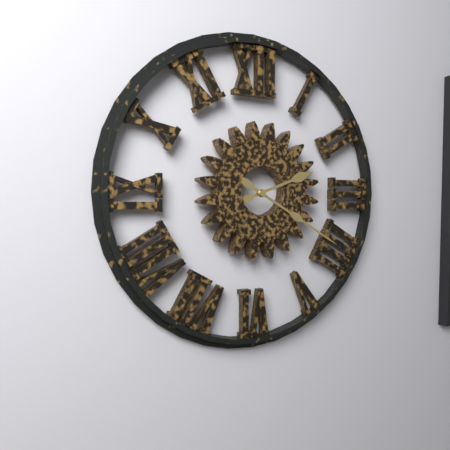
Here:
2,20
